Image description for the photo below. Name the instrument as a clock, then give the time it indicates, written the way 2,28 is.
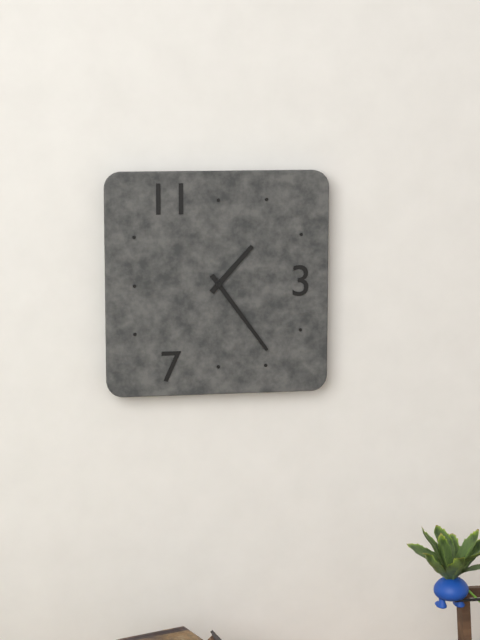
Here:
1,24
